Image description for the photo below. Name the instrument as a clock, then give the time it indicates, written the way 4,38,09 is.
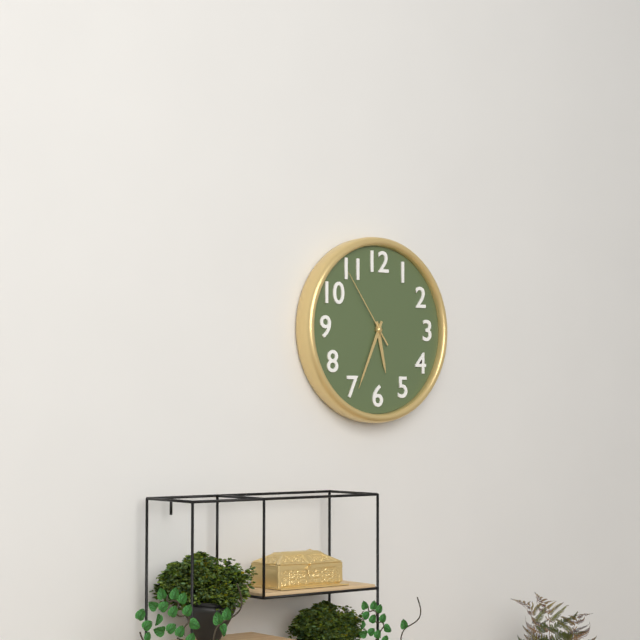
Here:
5,34,54
